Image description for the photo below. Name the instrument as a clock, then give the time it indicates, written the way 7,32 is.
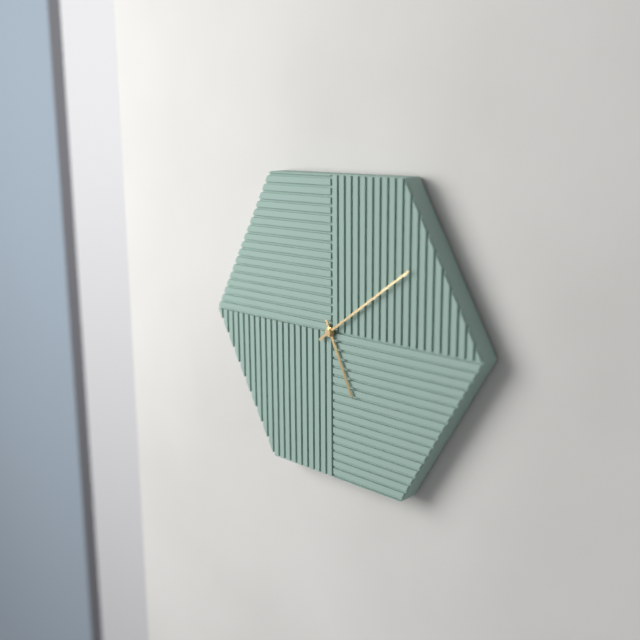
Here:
5,09
